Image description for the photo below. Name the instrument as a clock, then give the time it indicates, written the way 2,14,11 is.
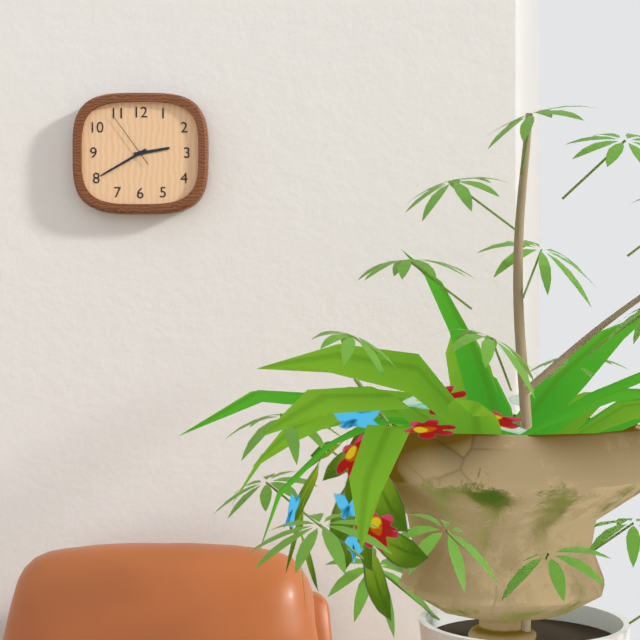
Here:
2,40,54
